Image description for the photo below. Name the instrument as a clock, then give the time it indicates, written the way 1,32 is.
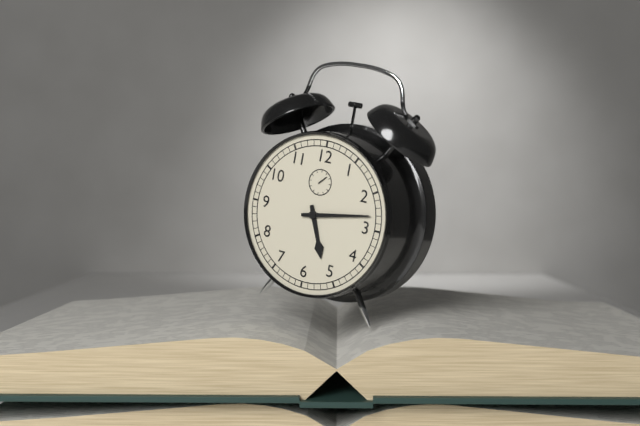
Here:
5,13
